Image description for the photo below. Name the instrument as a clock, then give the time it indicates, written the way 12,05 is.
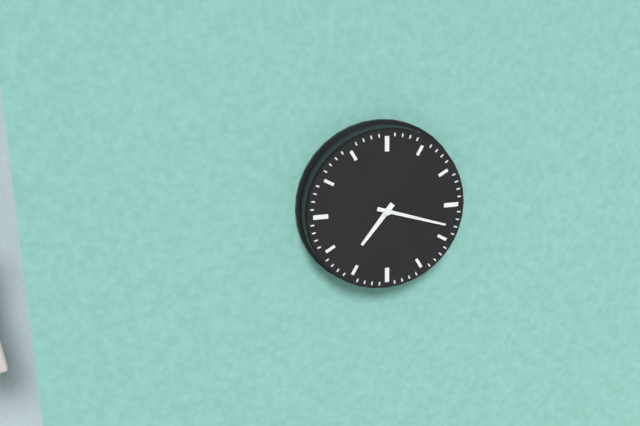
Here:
7,18
